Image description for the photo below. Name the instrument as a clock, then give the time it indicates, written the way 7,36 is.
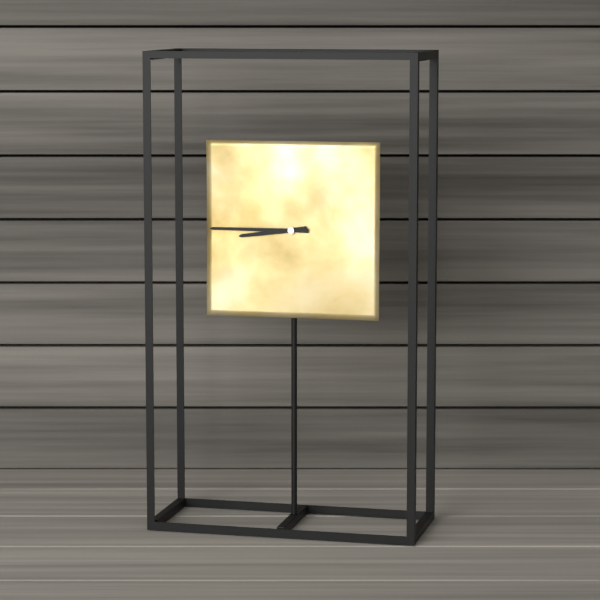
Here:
8,45
